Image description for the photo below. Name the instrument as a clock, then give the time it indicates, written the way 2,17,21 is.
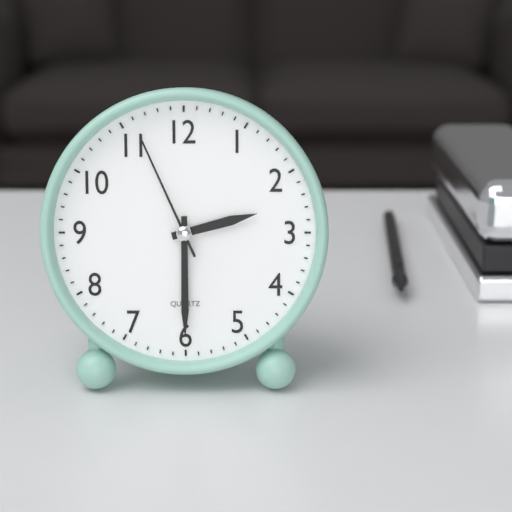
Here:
2,30,56
